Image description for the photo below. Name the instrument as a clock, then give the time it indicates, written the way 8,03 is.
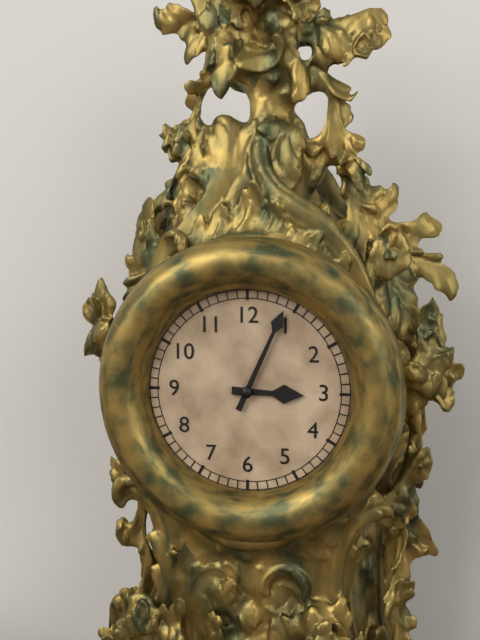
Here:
3,04
